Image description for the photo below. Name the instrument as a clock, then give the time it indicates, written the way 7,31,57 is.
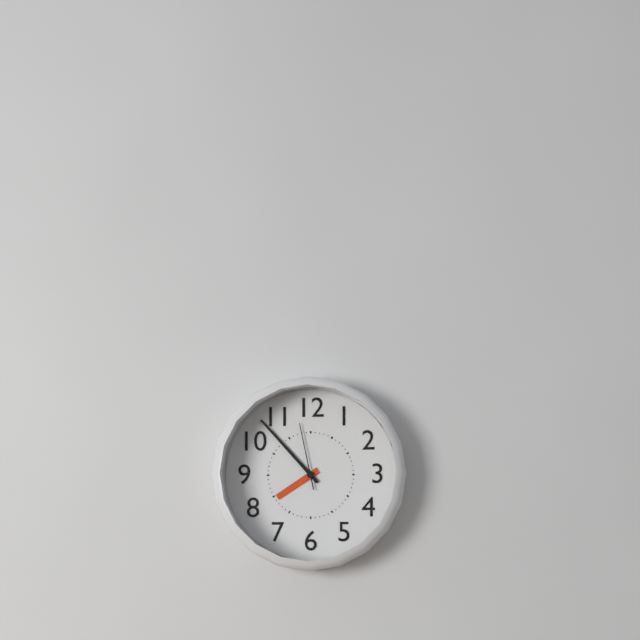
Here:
7,53,58
